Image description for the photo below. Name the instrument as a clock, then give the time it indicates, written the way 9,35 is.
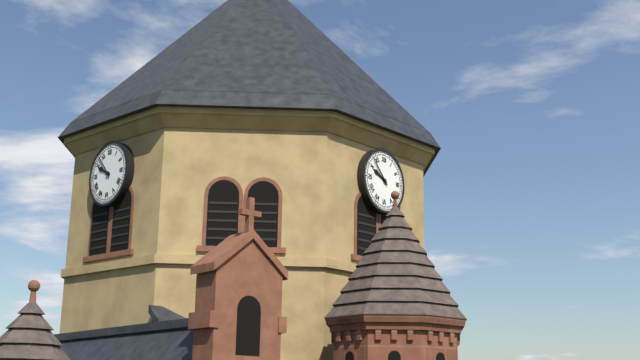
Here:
9,53
